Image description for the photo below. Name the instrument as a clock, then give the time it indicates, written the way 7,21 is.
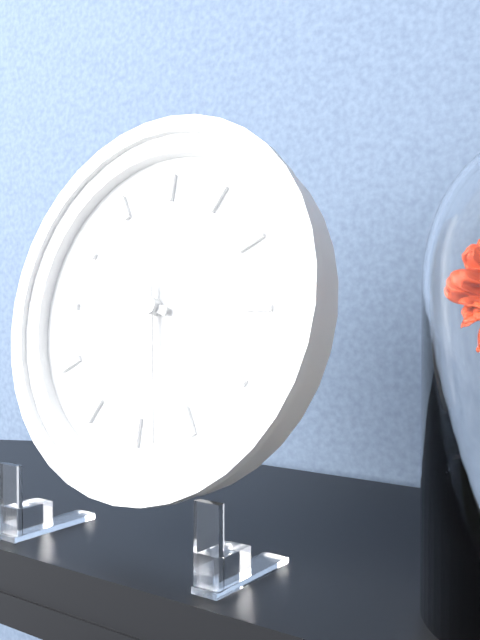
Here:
9,28
